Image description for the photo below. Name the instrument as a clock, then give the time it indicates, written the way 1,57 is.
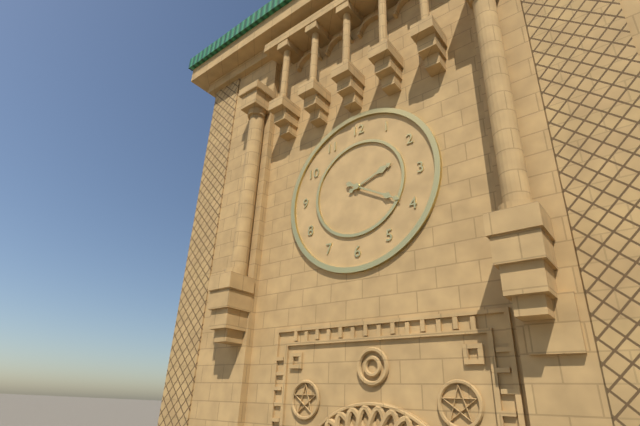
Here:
2,20
